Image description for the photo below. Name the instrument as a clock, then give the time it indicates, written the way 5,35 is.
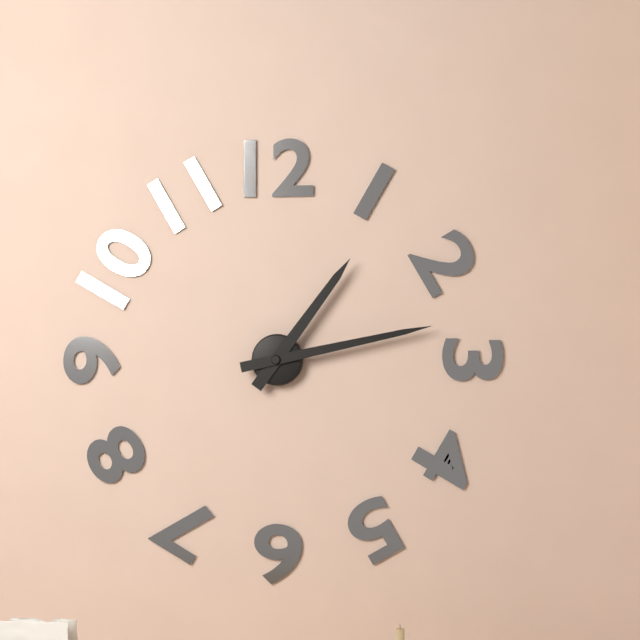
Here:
1,13
